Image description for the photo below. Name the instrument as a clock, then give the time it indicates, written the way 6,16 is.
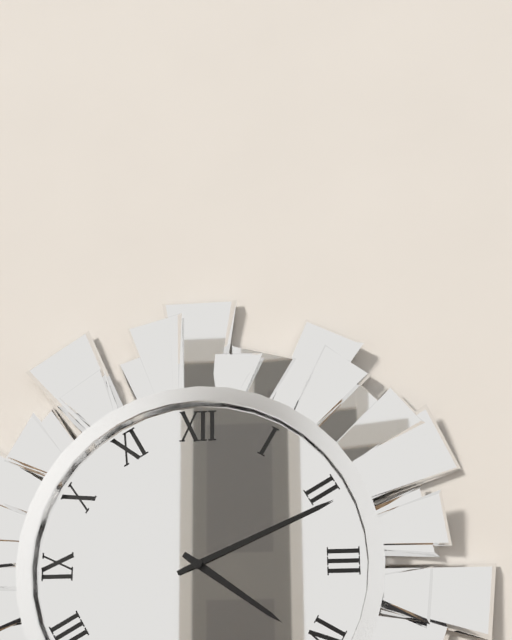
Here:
4,11
